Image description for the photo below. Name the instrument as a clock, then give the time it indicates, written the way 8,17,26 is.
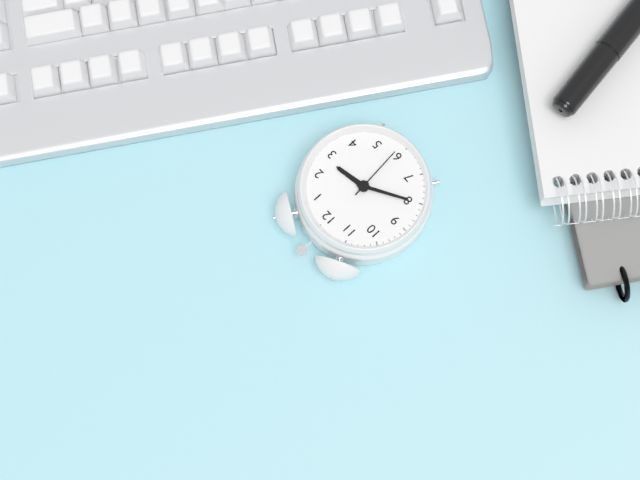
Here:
2,40,29
